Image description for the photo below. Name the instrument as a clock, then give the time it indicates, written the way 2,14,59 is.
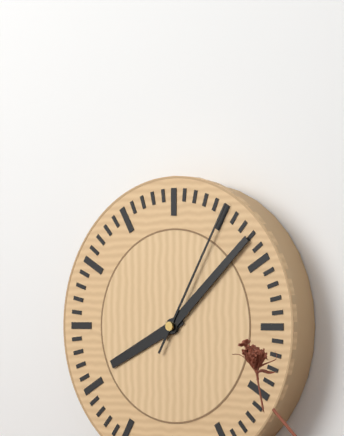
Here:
8,08,05
